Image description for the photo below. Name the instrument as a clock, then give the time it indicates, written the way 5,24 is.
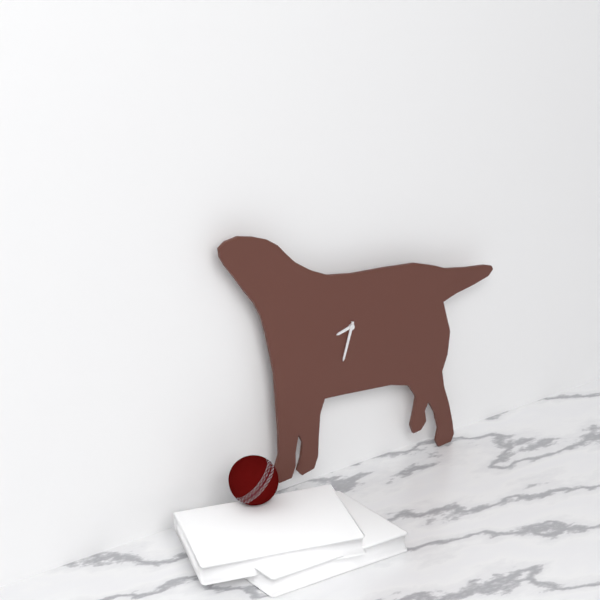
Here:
8,33
